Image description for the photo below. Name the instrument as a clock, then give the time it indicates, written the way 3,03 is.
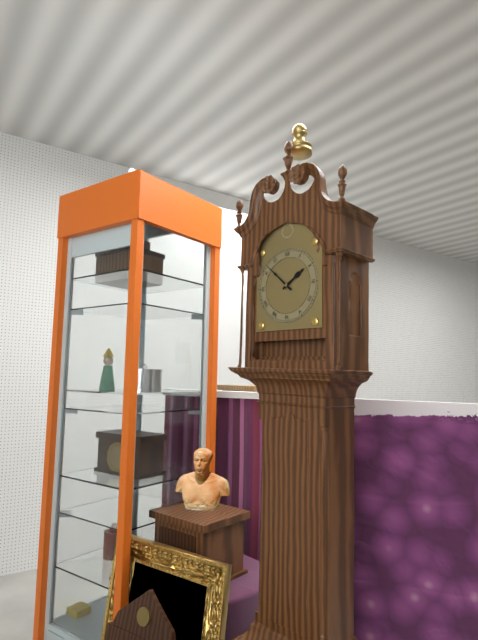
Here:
1,52
